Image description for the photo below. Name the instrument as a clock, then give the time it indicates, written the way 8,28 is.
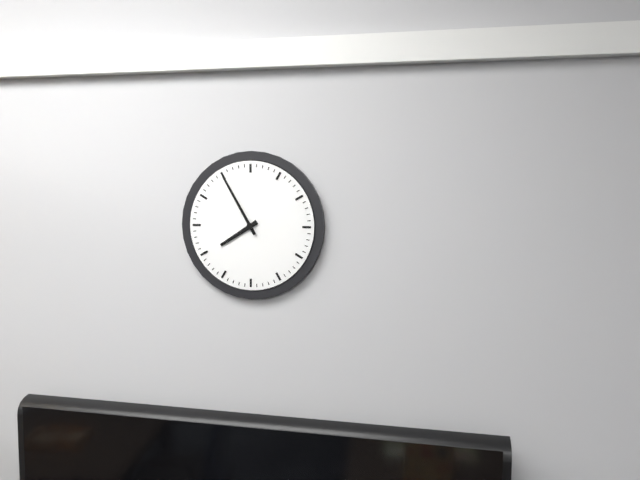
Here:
7,55
